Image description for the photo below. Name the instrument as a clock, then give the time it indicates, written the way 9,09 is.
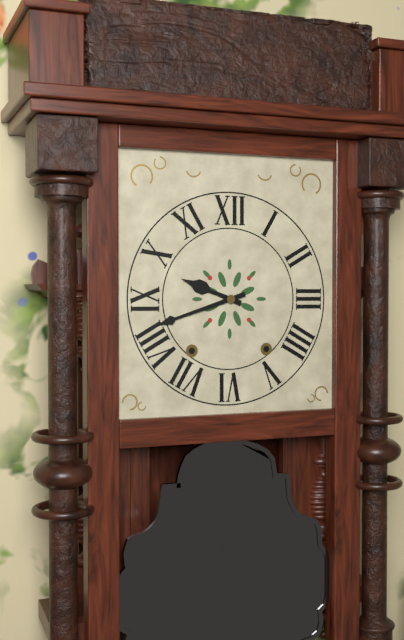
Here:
9,42
